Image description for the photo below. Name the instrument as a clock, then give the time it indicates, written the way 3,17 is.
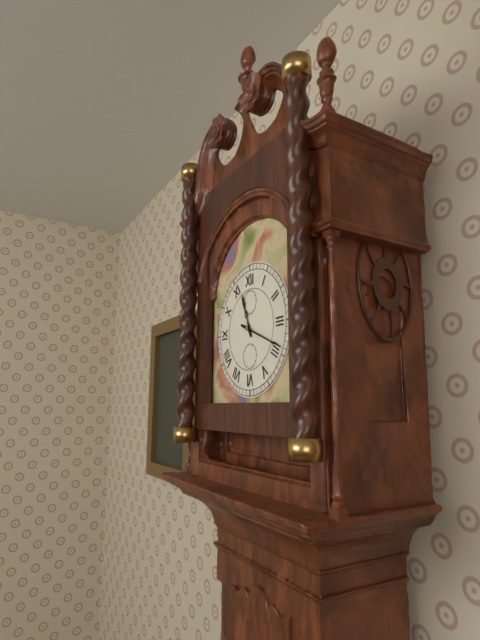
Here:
11,19
